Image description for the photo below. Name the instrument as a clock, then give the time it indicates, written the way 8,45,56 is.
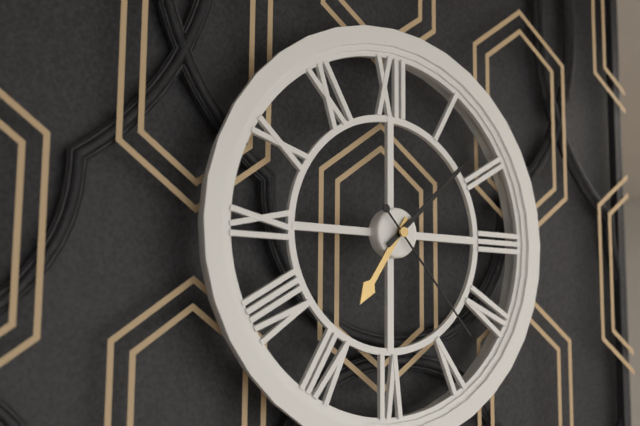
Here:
7,08,23
